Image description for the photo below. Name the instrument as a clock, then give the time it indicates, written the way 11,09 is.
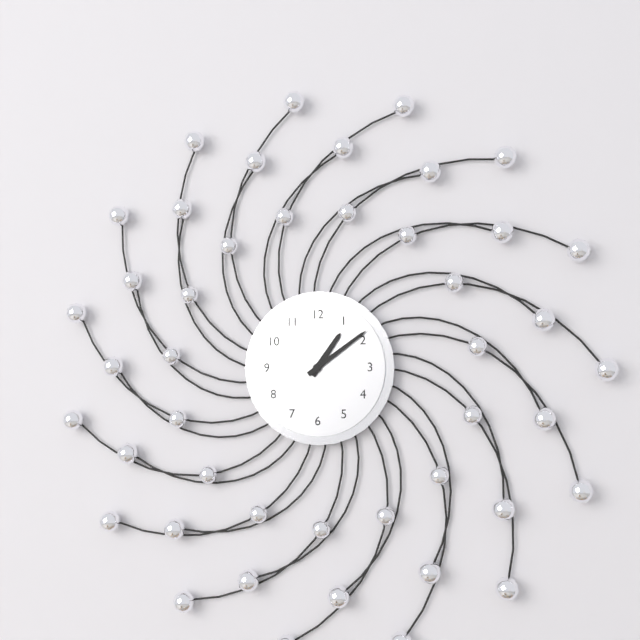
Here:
1,09
